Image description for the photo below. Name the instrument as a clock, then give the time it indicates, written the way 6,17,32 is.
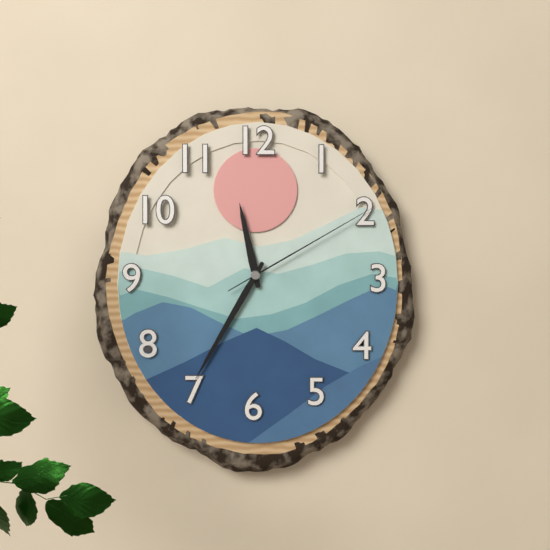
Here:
11,35,10
